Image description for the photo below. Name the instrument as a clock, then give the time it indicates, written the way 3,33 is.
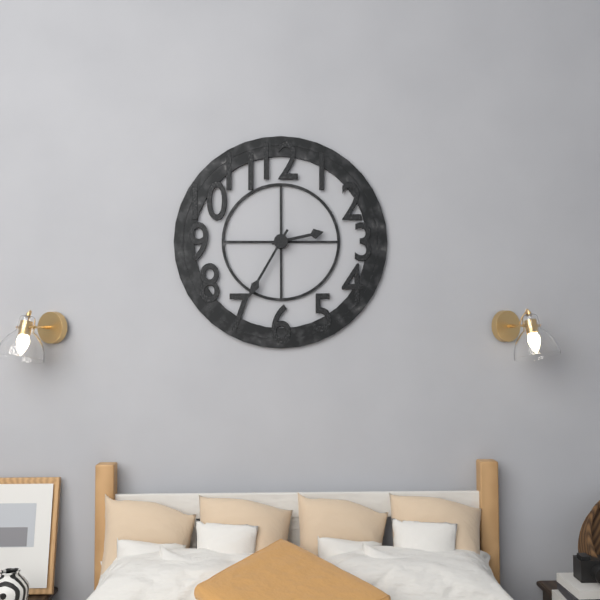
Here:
2,35
